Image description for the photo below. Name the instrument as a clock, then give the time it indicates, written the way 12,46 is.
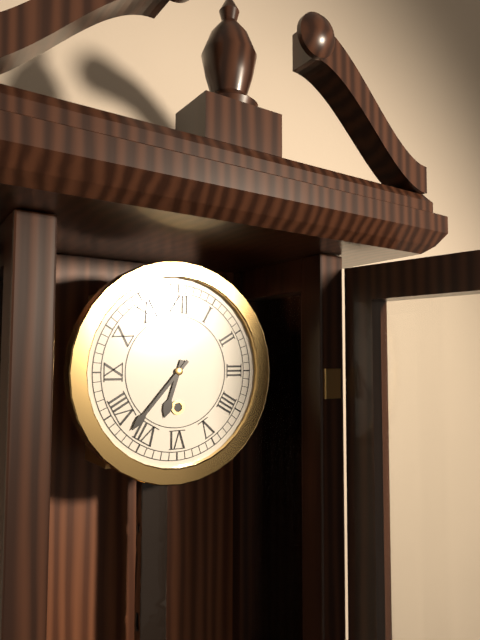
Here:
6,37
